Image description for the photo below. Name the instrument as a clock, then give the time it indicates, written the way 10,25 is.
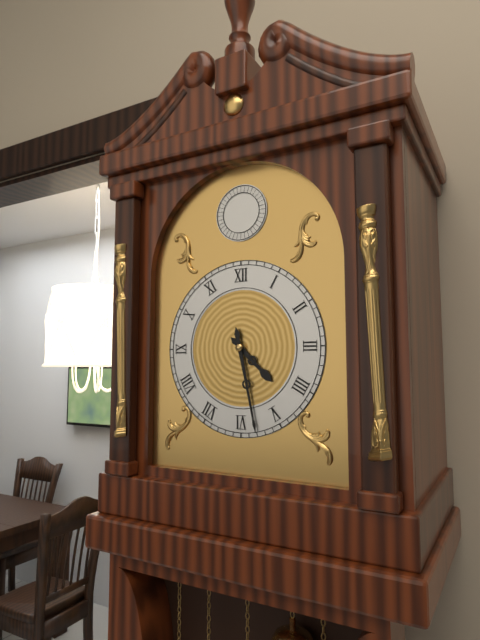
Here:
4,28
